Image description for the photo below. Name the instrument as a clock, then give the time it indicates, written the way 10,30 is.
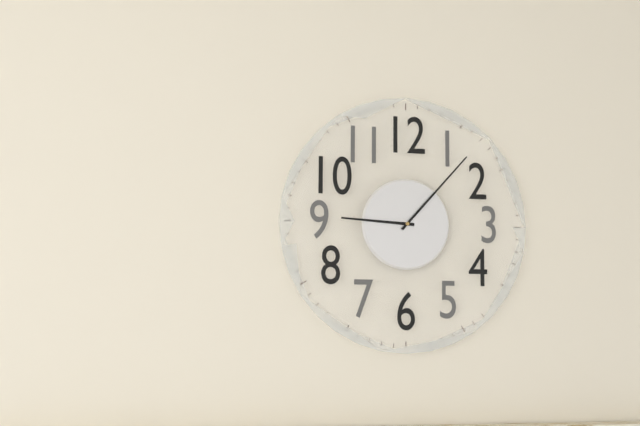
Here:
9,07
